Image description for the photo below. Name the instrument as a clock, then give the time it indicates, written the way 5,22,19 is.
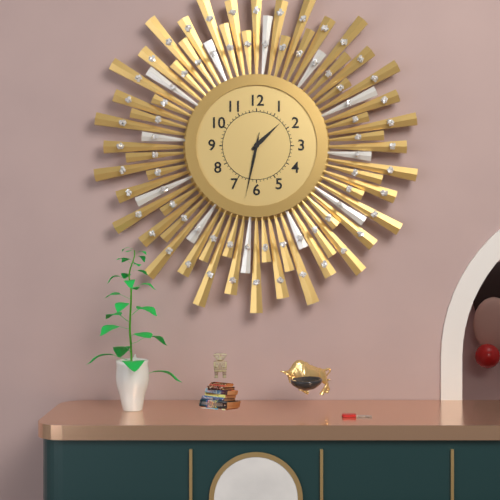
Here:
1,32,32
